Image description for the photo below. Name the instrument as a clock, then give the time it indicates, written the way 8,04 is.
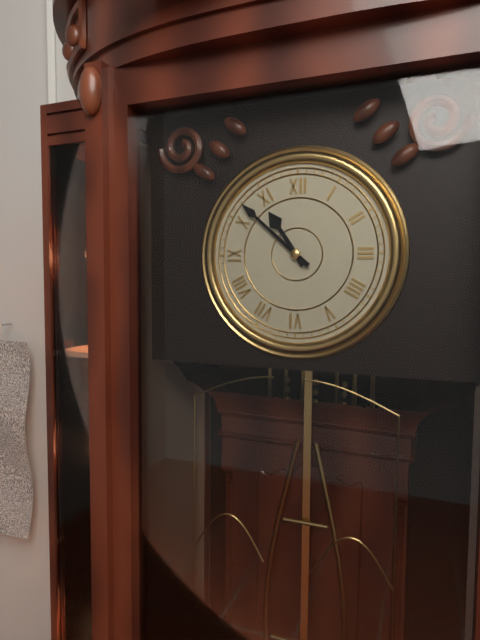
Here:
10,52
